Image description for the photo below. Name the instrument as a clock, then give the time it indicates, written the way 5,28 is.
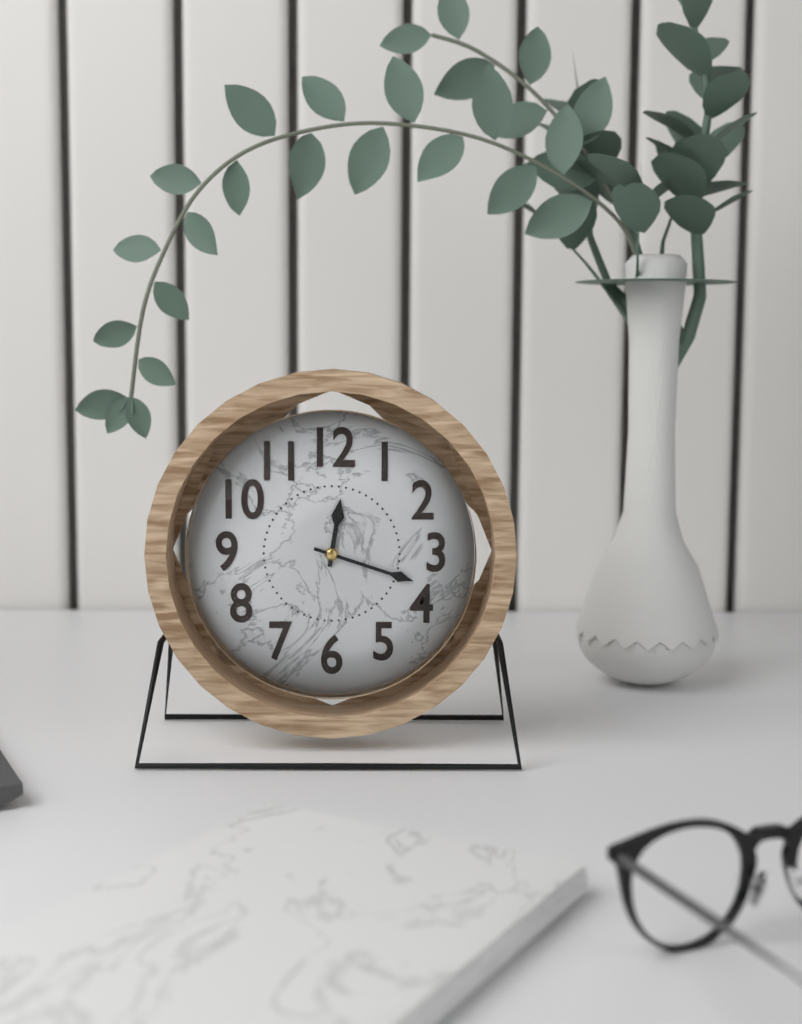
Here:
12,18
